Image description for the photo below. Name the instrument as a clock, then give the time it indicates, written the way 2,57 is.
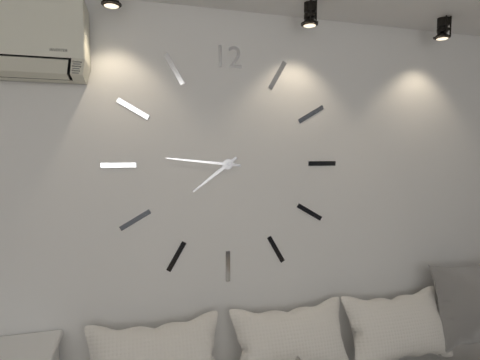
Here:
7,46
